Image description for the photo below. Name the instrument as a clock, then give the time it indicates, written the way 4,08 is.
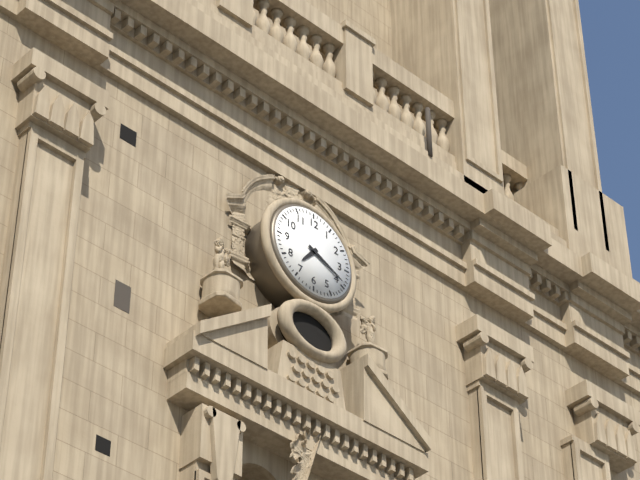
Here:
7,19
